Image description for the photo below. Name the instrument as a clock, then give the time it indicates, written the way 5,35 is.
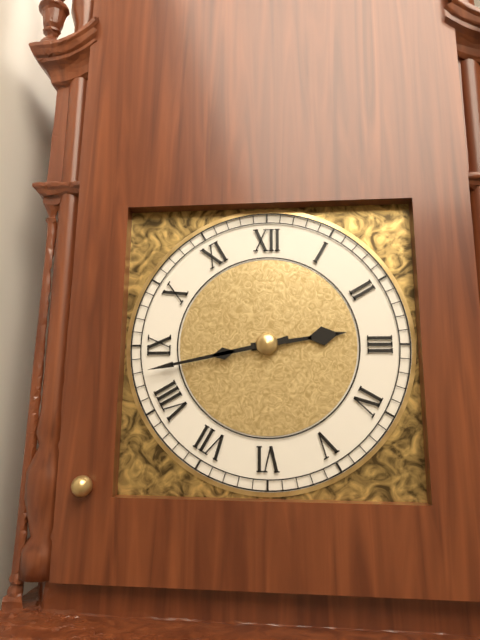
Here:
2,43
